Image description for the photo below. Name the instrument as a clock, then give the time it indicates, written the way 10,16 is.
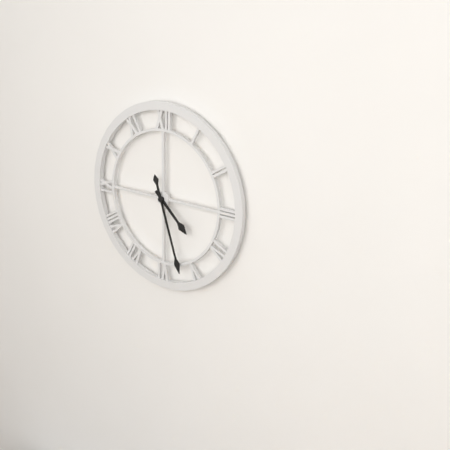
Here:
4,27
